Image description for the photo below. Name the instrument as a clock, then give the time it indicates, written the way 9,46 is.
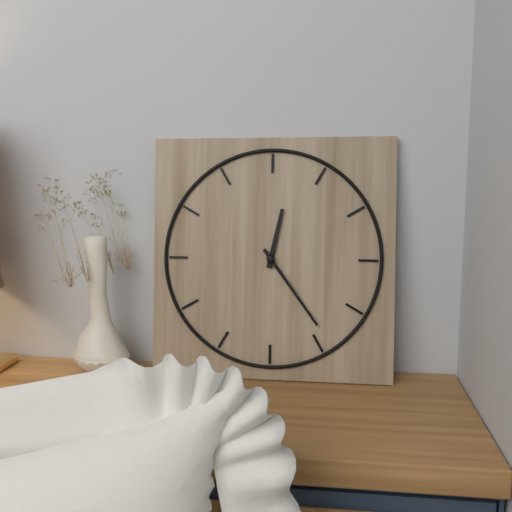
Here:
12,24
